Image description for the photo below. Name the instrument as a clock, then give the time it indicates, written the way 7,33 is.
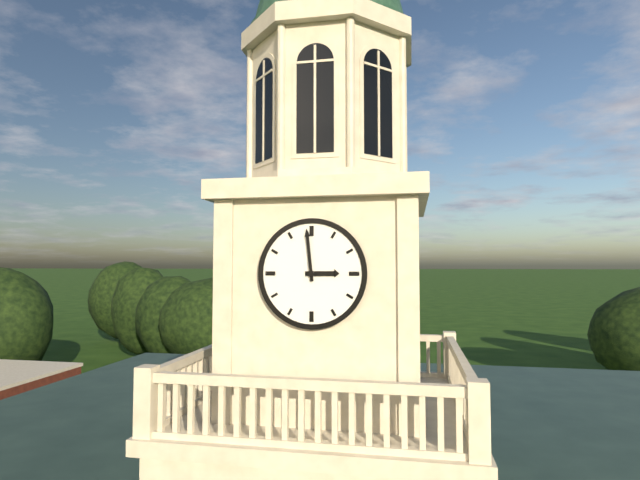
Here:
2,59
